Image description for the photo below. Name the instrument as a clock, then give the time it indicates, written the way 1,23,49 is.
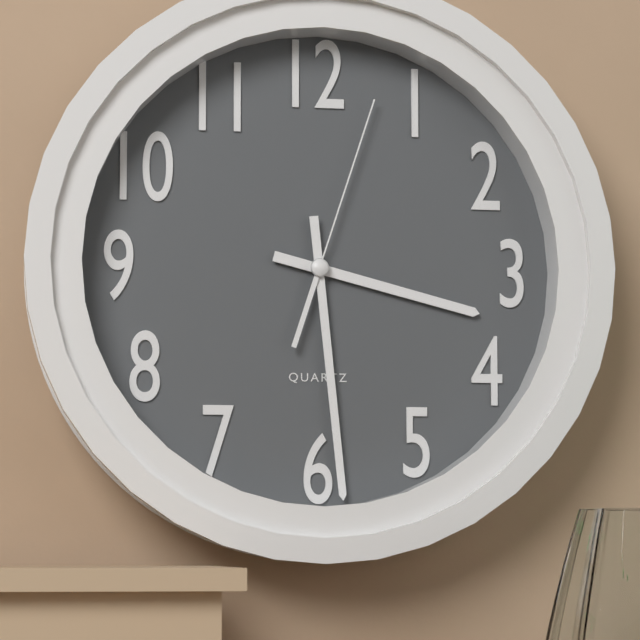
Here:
3,29,03
